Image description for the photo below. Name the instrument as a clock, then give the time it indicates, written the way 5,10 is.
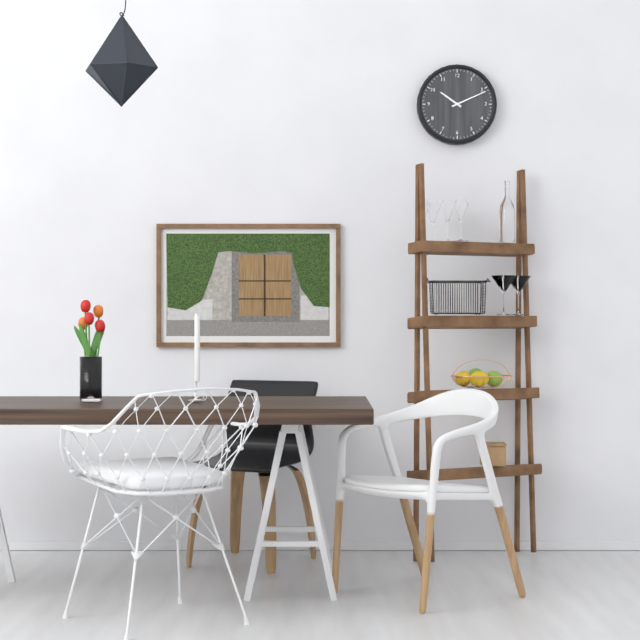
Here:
10,11
